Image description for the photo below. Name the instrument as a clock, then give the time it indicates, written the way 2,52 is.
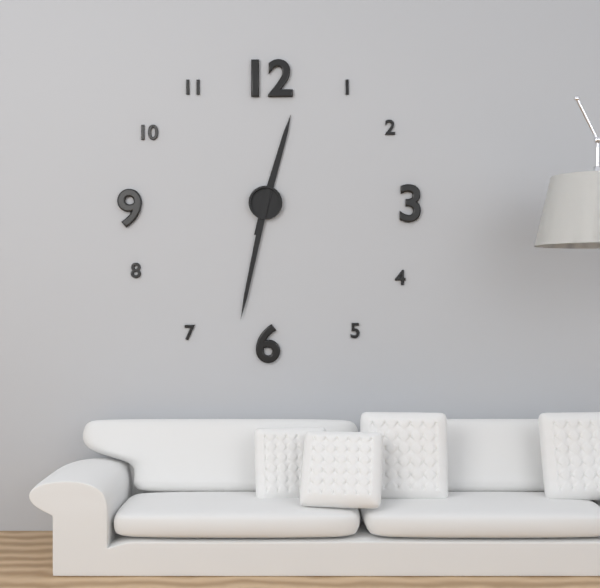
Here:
12,32
